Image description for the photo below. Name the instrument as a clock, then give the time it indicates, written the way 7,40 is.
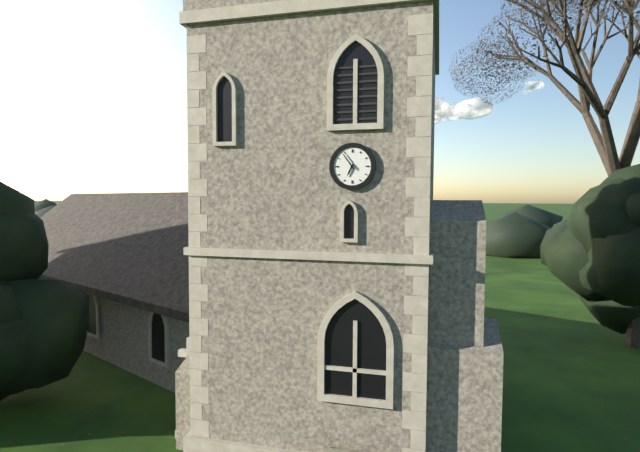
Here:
6,54
